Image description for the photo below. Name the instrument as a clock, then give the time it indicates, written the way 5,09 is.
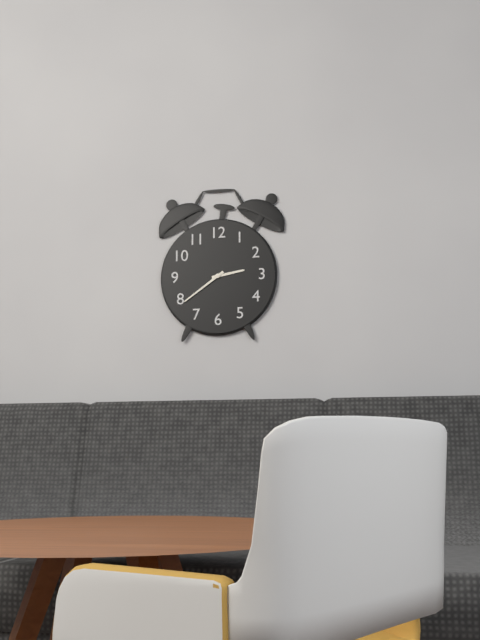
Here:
2,39
